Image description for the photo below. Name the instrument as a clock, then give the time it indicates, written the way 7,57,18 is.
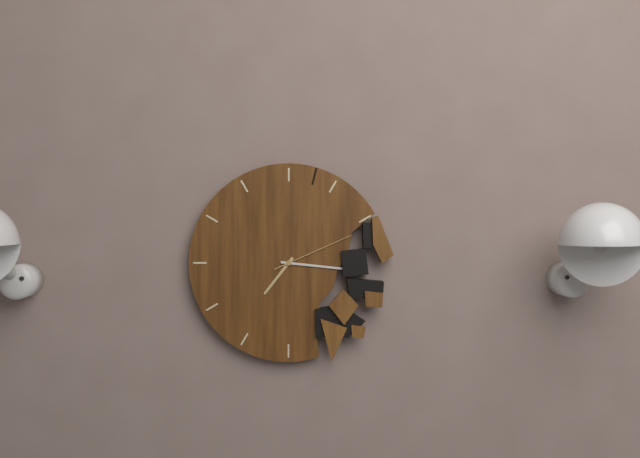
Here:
7,16,11
